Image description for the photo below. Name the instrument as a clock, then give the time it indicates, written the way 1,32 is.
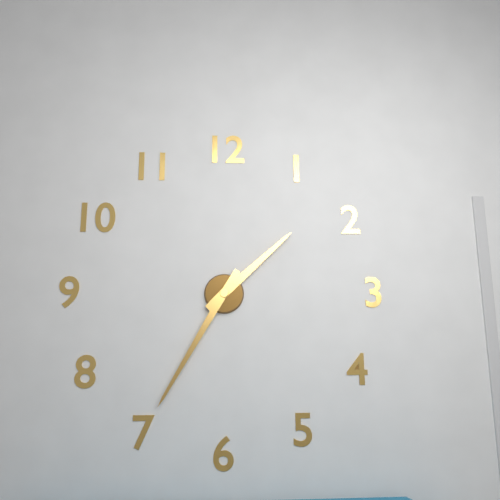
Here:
1,35
